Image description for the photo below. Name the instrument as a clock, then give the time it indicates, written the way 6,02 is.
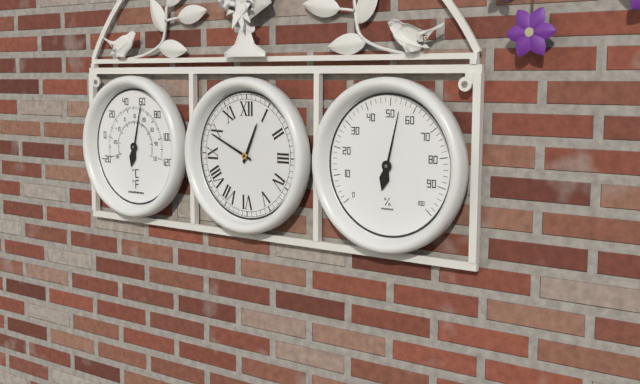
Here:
12,49
